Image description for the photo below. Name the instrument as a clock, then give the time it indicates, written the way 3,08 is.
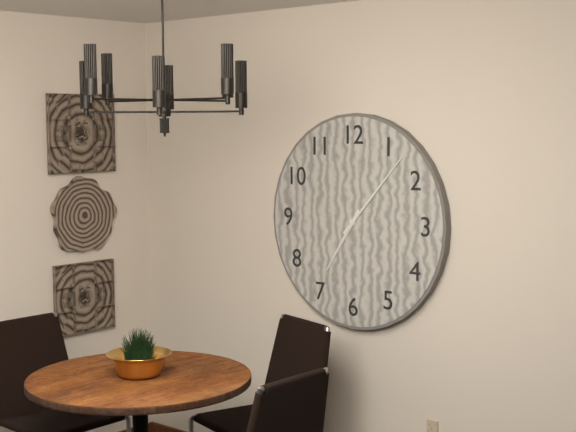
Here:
7,07
